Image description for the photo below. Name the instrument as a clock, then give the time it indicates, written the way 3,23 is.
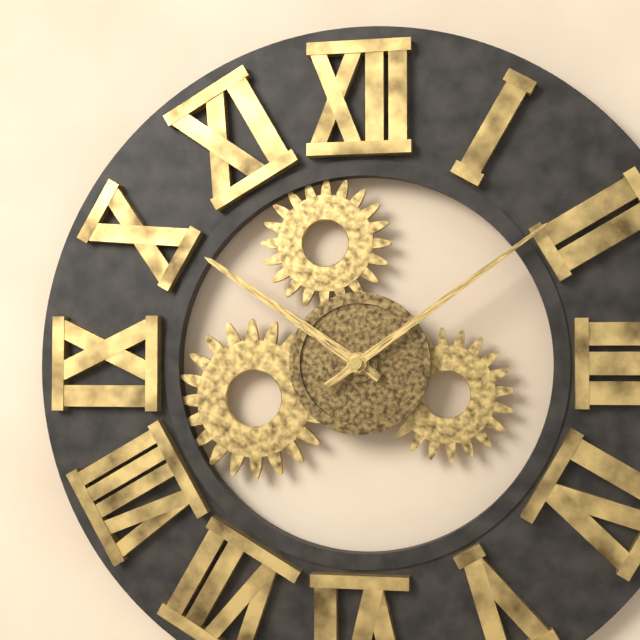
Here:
10,09
